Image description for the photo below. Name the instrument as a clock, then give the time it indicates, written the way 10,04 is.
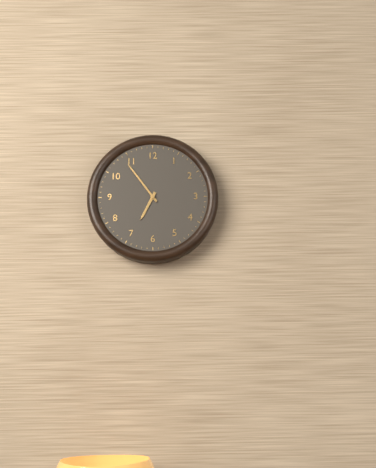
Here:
6,54
